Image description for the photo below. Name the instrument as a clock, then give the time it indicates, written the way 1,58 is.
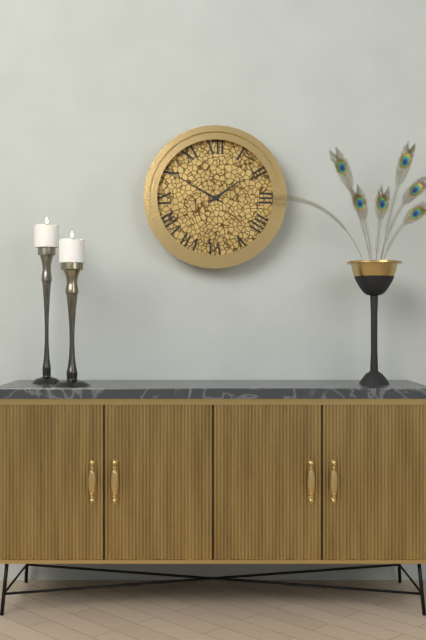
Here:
1,50
